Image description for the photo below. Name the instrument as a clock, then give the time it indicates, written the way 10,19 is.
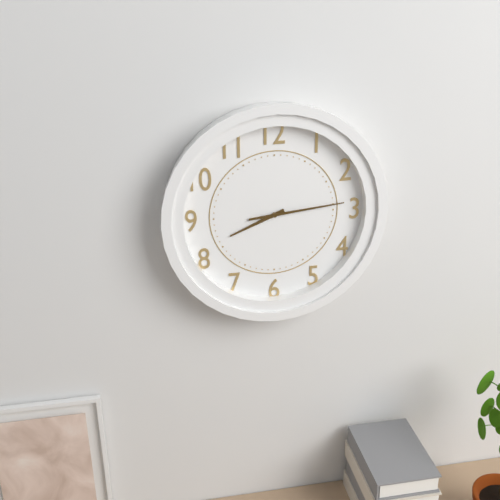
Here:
8,14
